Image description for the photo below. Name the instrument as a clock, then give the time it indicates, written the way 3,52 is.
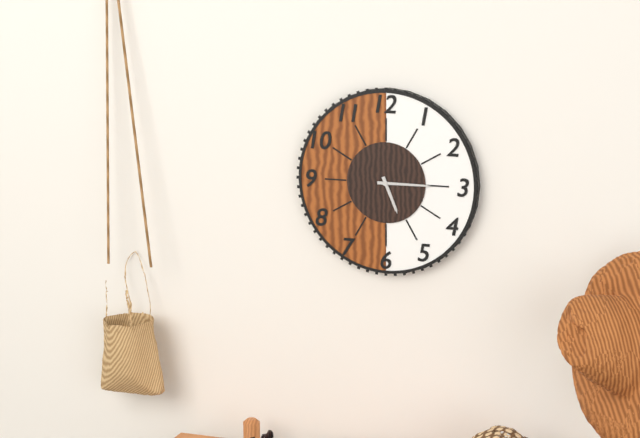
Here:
5,15
